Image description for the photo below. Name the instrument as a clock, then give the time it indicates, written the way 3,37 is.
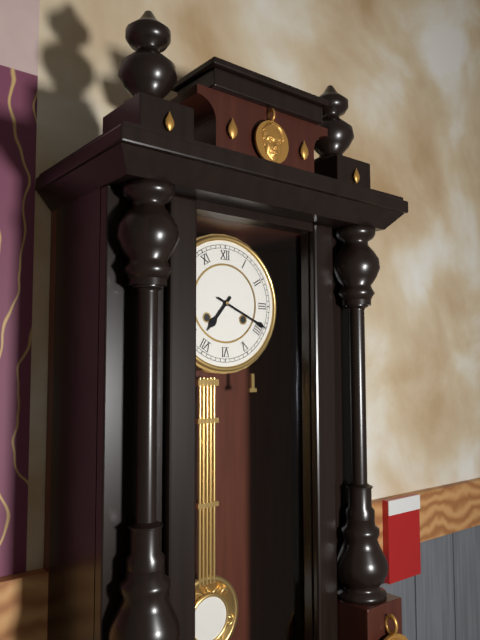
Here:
7,19
